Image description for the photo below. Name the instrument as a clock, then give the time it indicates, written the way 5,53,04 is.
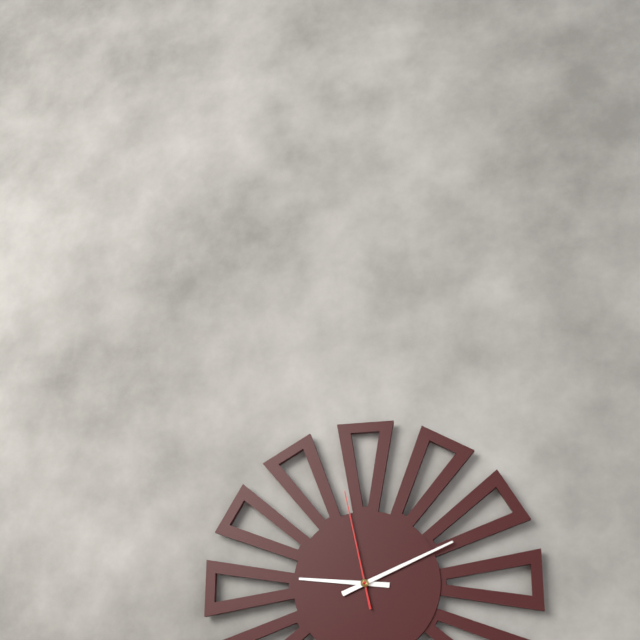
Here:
9,11,58
